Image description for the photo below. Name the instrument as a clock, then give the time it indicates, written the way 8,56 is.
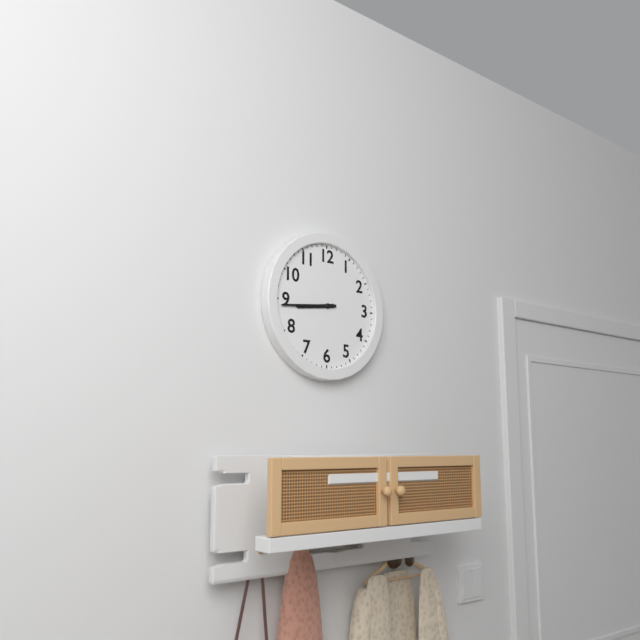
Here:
8,44
